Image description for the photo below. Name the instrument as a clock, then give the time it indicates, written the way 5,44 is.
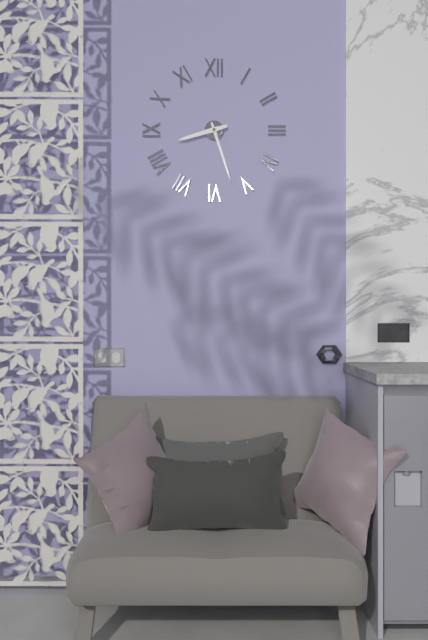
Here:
8,27
